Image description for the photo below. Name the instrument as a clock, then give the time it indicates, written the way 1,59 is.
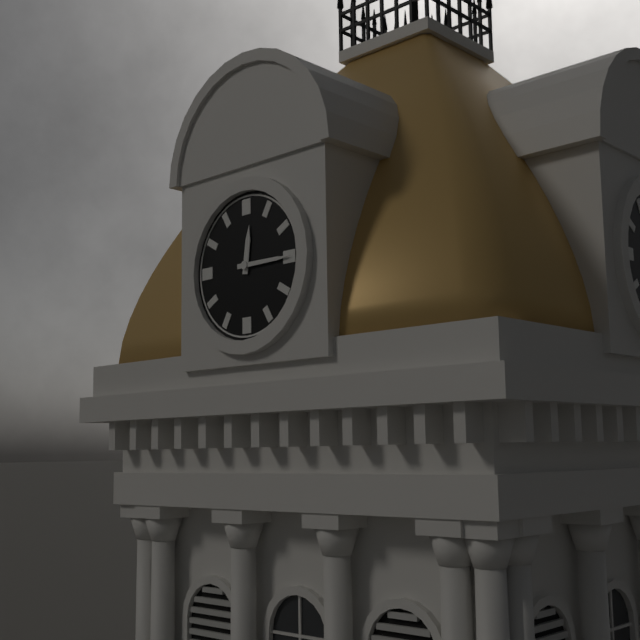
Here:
12,15
